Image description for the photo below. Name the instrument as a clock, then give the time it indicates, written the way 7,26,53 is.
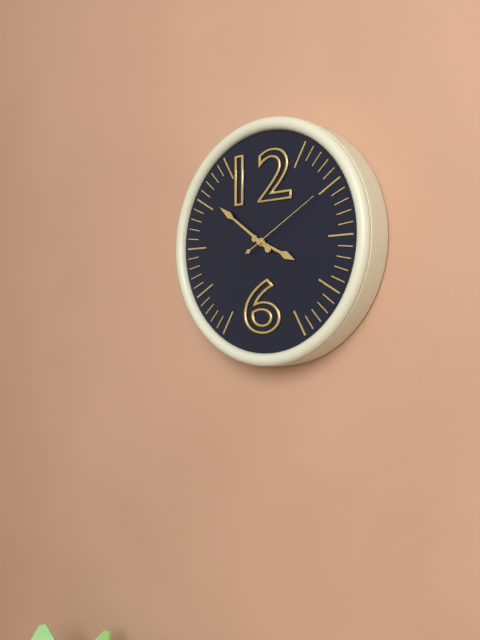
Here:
3,51,10
